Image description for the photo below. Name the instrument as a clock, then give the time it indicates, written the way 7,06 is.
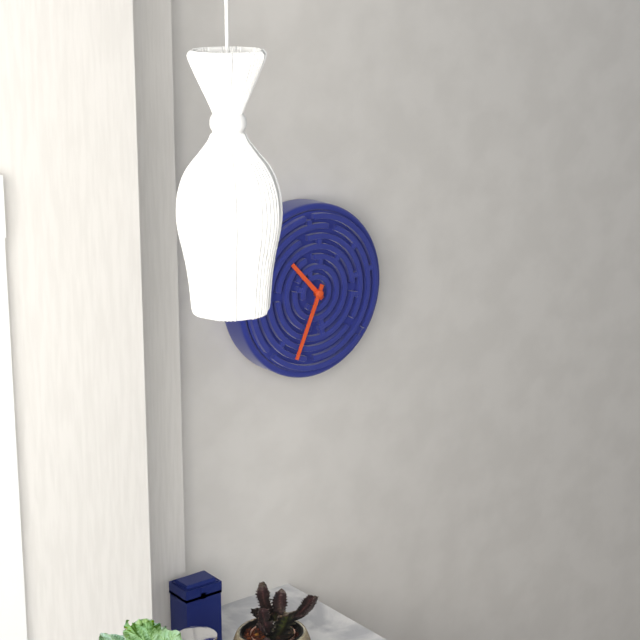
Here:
10,34
